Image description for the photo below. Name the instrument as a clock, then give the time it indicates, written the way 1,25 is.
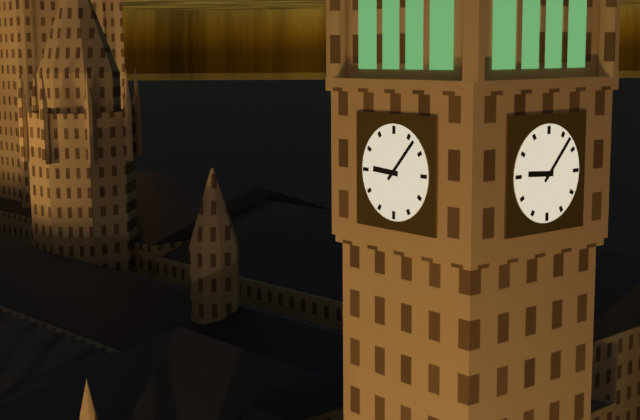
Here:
9,07
